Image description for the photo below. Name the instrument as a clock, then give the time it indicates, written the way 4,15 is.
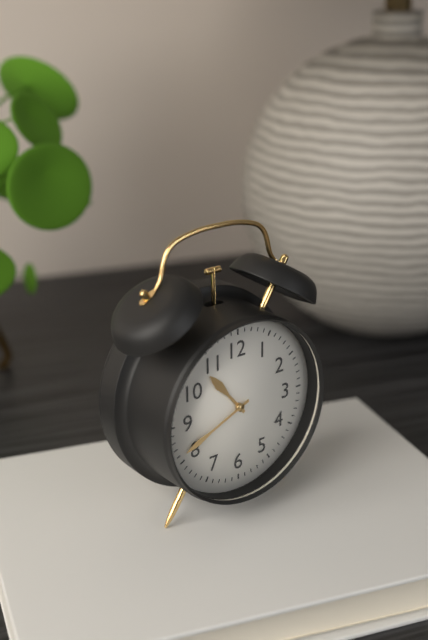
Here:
10,41
